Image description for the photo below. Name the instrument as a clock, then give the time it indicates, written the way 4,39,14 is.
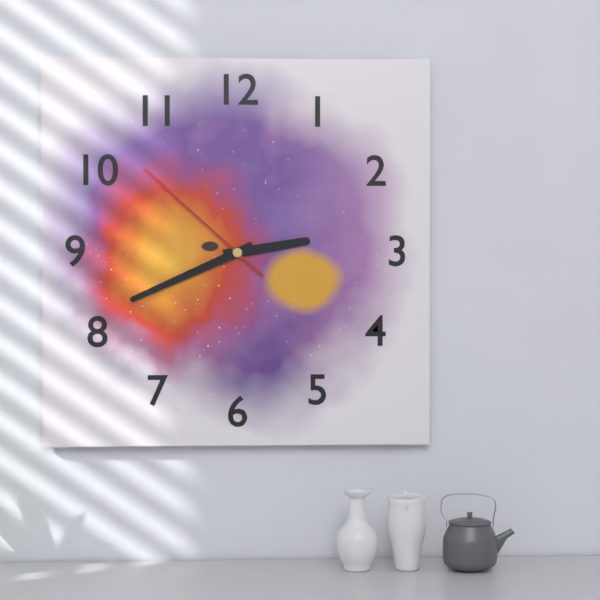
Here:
2,41,52
